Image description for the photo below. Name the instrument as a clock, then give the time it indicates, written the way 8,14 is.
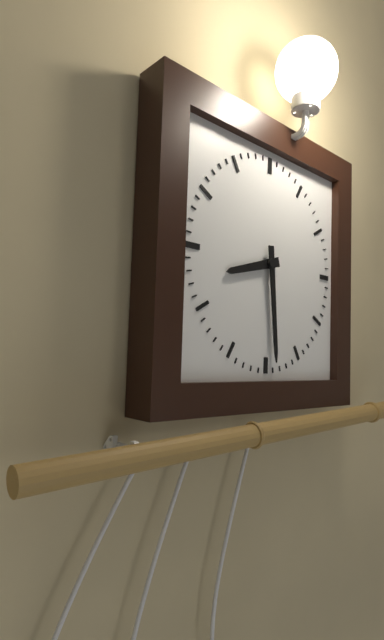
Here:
8,29
